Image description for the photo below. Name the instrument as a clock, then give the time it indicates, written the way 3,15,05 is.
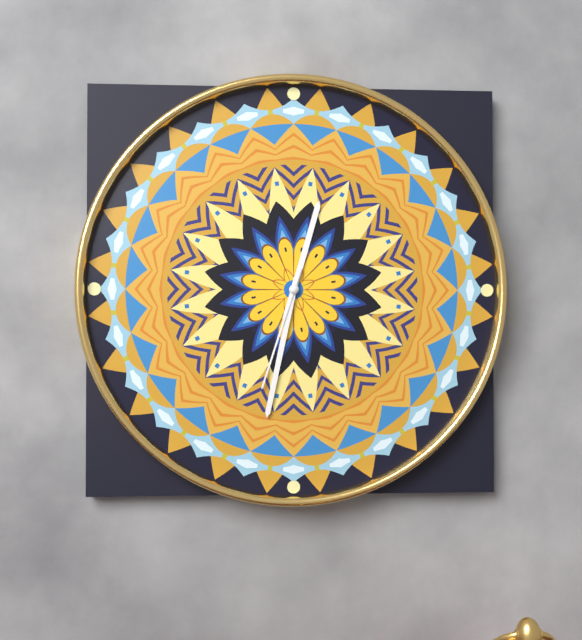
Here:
12,32,33
